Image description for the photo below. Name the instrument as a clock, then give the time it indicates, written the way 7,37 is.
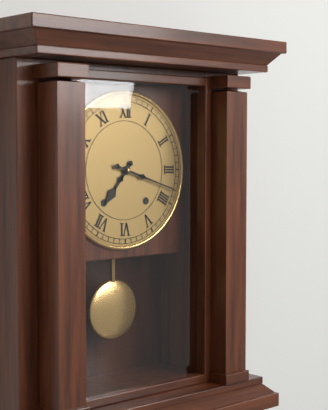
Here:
7,18
